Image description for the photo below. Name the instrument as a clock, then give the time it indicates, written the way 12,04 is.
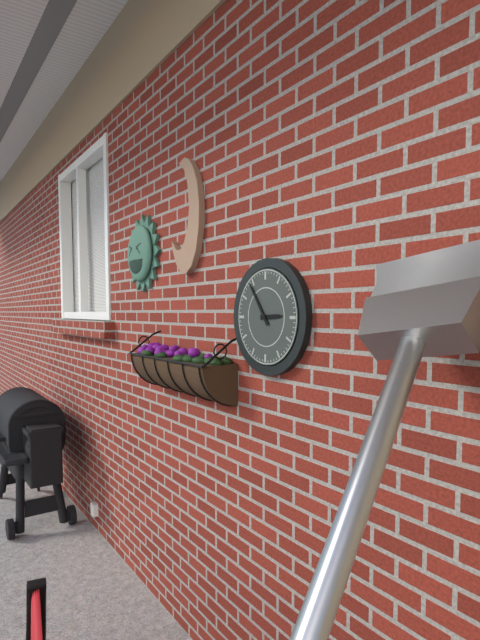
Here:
2,54
